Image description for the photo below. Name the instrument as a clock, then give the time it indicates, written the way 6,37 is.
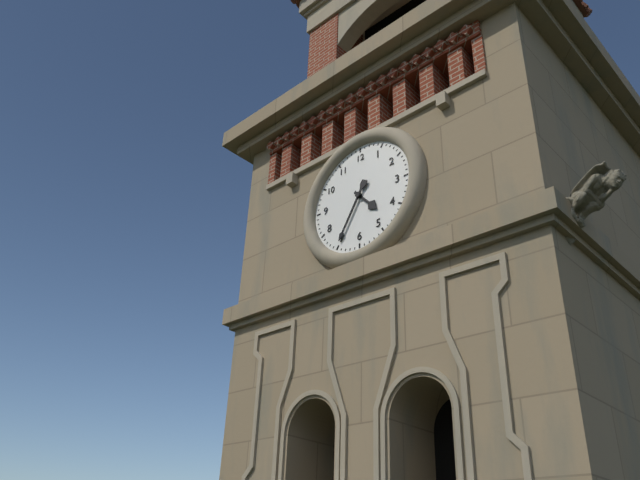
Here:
4,35
